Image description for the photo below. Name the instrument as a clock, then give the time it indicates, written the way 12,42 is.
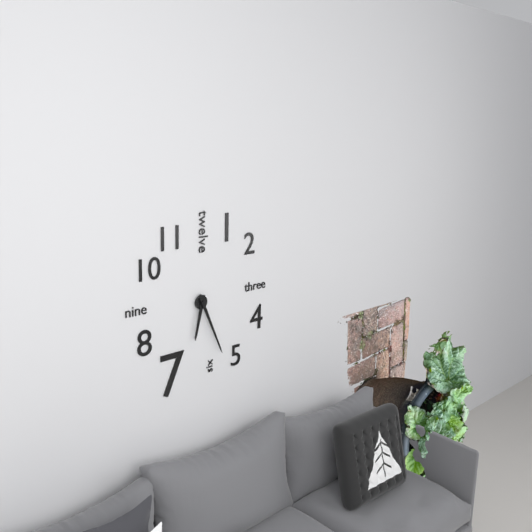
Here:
6,26
